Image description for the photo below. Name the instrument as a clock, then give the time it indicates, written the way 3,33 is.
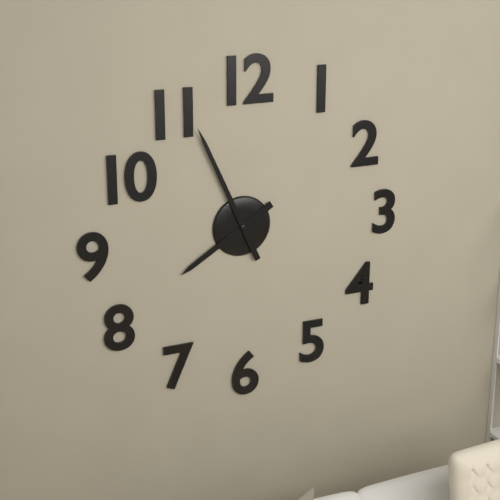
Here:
7,56
